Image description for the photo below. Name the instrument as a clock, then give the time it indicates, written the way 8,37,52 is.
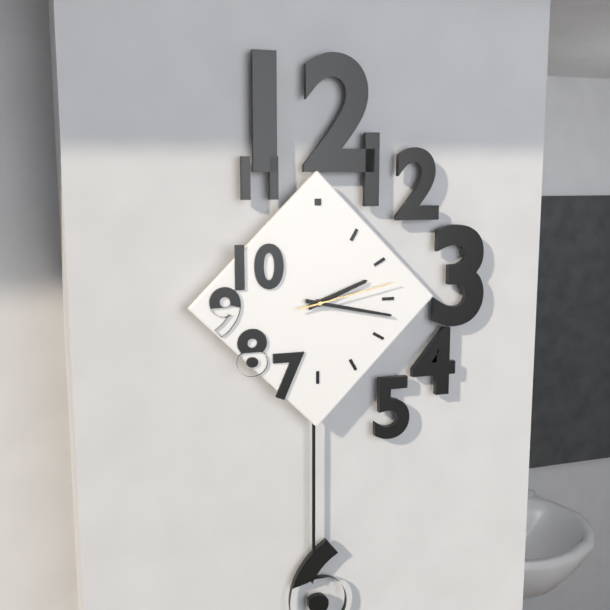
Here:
2,17,13
